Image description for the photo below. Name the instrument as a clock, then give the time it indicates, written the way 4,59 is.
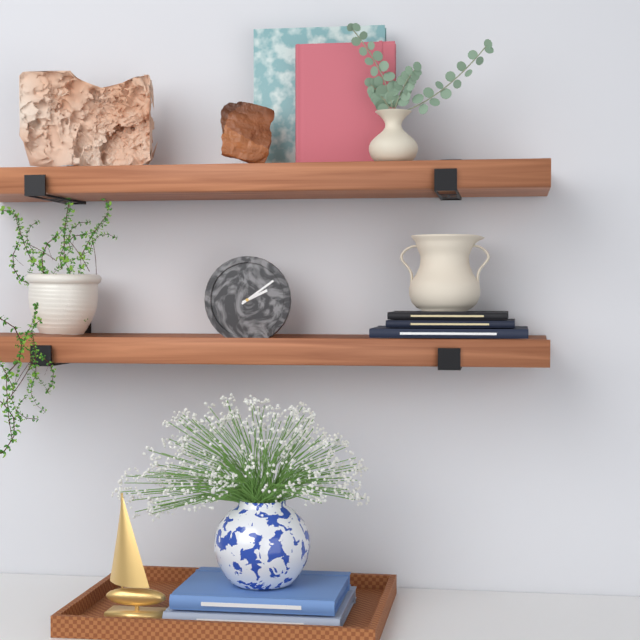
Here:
2,09
